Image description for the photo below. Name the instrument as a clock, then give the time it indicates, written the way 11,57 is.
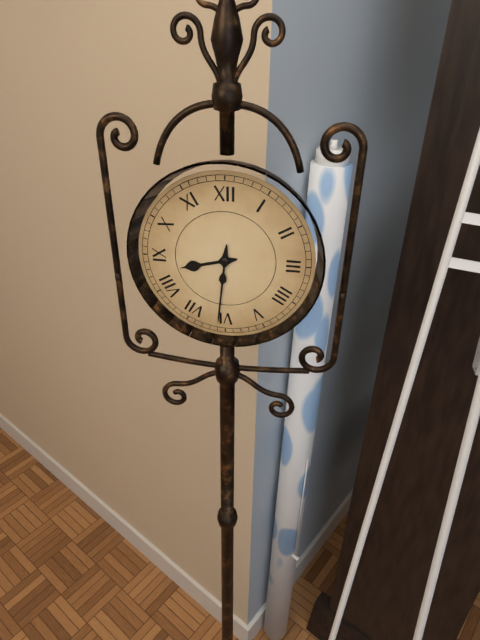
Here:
8,31
